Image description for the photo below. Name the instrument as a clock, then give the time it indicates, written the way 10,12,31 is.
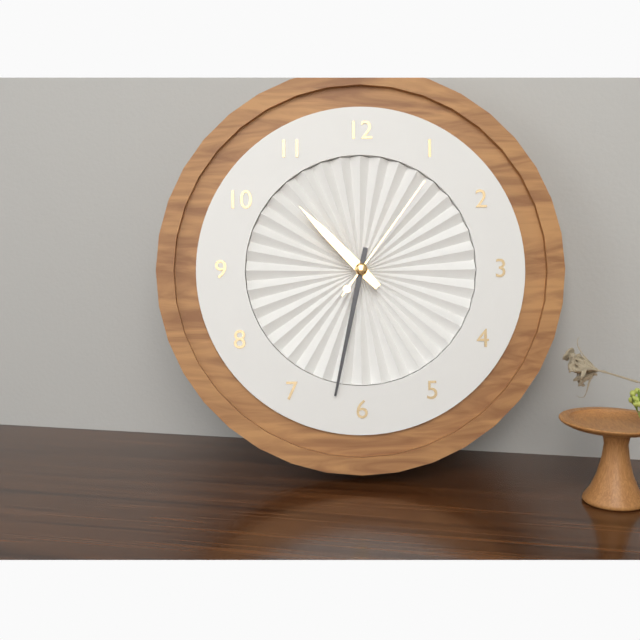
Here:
10,32,06
